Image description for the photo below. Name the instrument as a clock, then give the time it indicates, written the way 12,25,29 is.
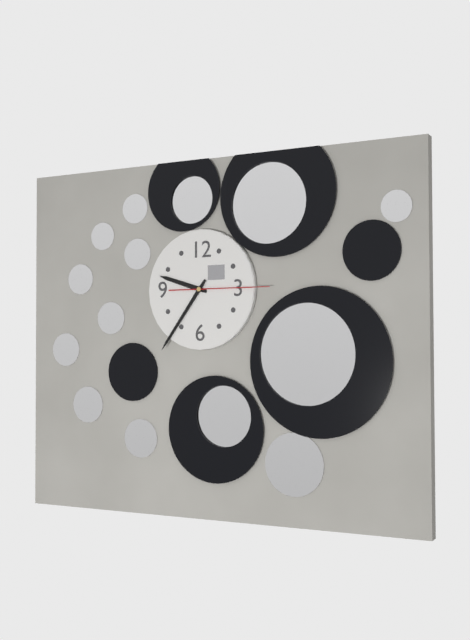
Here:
9,36,15
